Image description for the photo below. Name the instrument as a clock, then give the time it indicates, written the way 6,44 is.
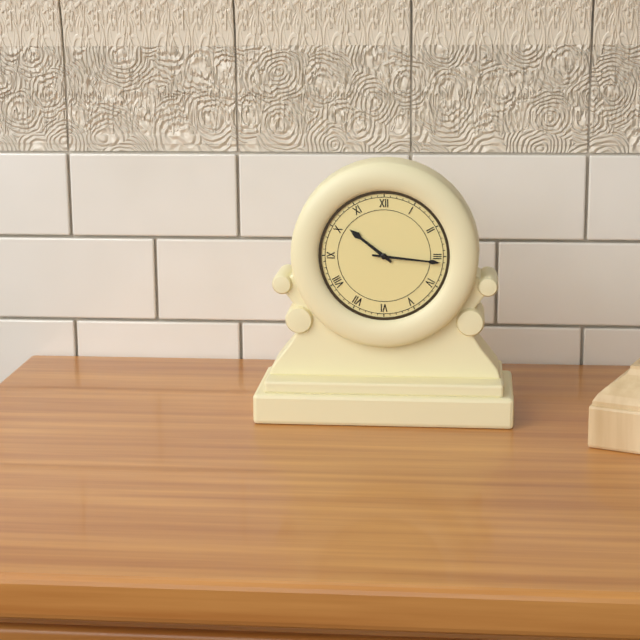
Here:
10,16
